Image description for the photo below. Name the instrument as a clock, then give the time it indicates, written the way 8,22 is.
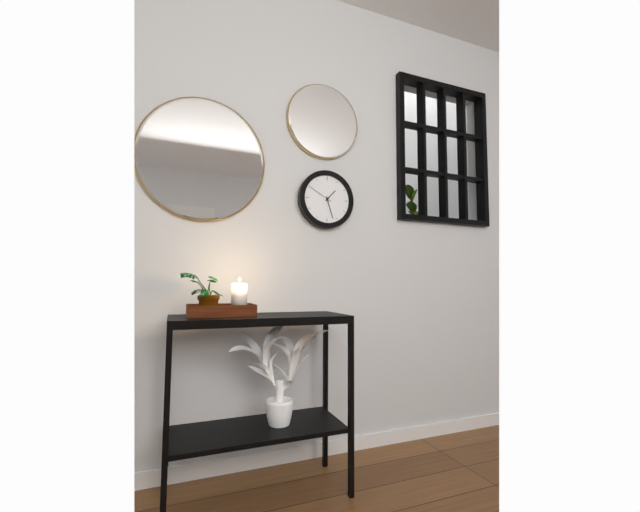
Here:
1,27
